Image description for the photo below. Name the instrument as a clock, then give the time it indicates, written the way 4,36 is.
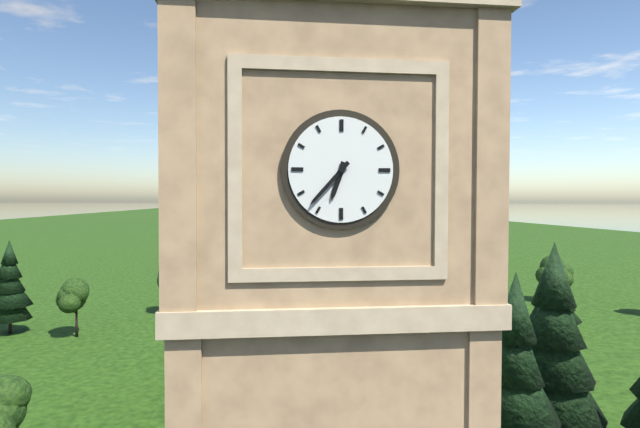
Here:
6,37
